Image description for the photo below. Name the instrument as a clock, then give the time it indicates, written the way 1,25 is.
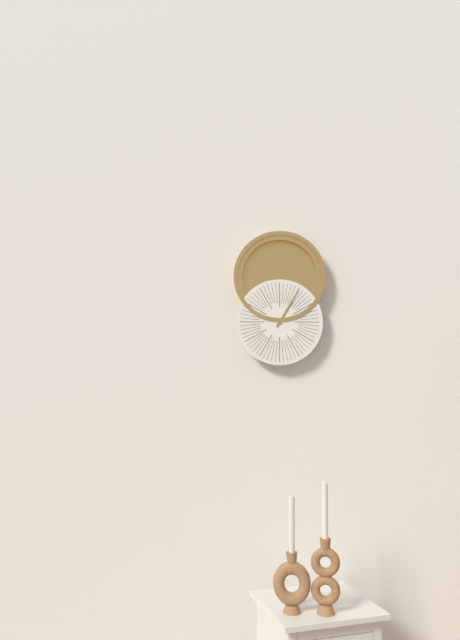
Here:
1,05
